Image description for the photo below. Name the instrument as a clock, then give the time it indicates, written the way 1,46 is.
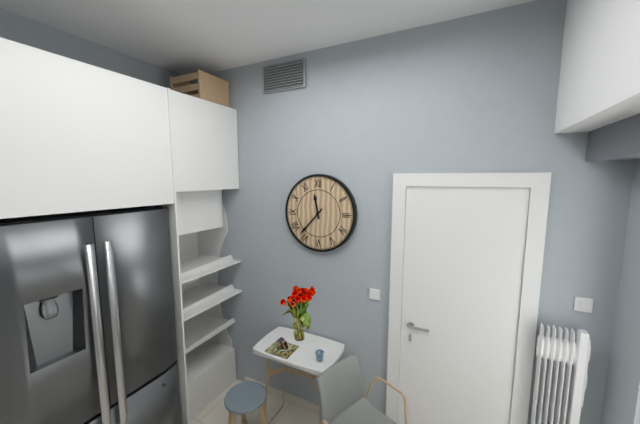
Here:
11,37
